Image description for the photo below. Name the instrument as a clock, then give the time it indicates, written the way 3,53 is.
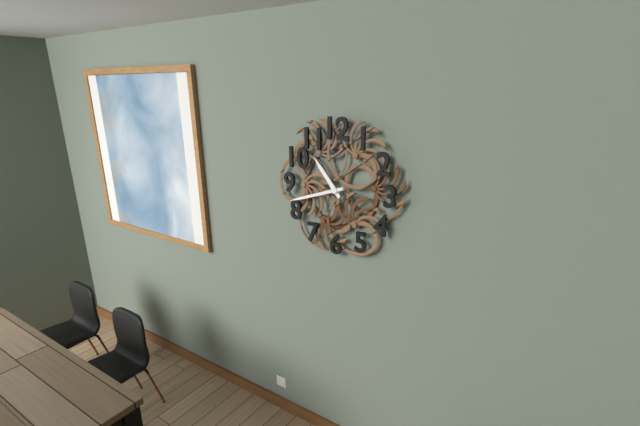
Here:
10,42
